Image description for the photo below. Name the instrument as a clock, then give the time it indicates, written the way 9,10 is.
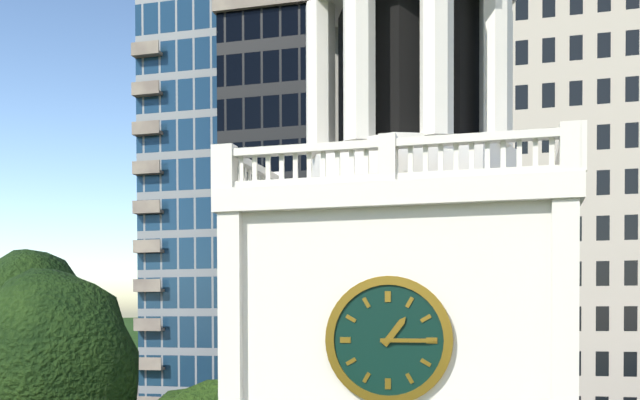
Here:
1,15
